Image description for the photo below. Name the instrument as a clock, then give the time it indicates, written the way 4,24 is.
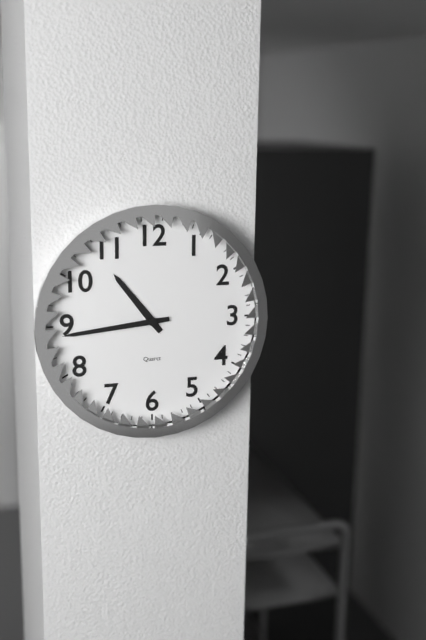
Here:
10,44
